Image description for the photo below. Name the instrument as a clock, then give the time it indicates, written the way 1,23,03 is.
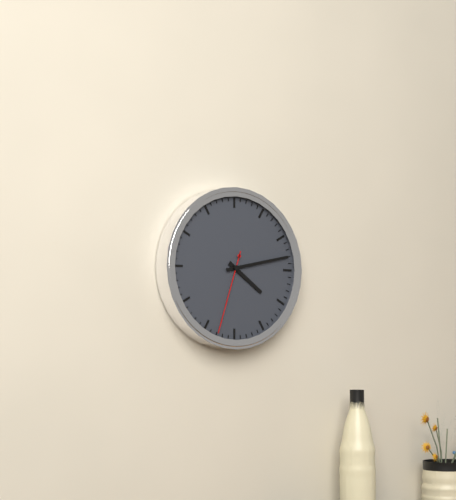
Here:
4,13,33
